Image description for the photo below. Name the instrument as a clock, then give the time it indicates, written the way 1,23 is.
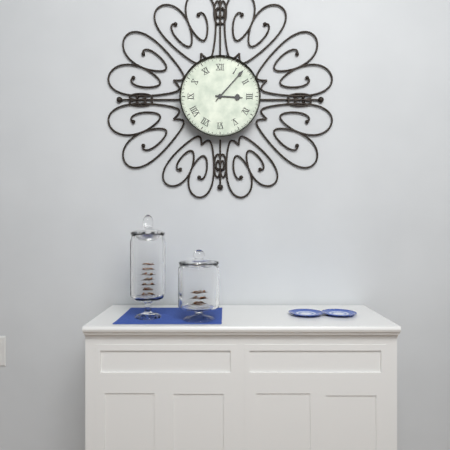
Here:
3,07
